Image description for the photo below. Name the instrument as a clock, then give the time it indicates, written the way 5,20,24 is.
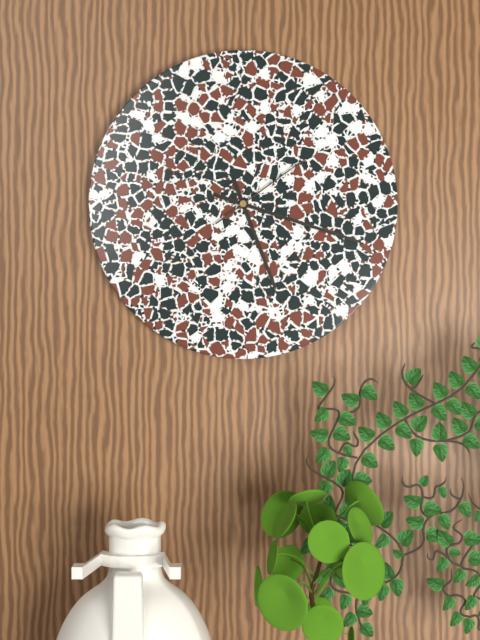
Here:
5,18,09
